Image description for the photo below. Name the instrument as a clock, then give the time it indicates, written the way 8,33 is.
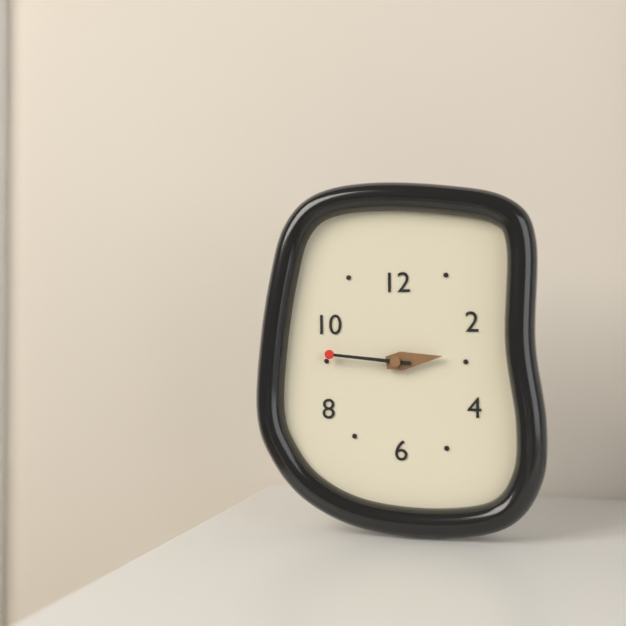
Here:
2,46
